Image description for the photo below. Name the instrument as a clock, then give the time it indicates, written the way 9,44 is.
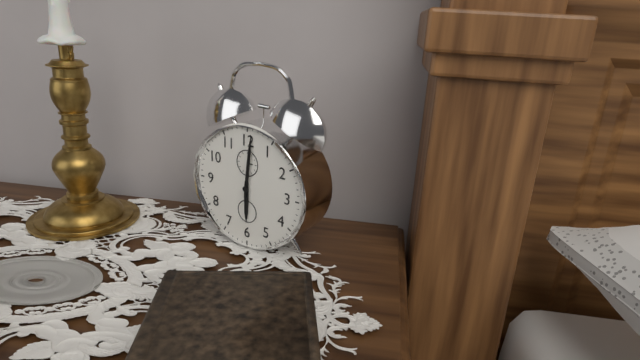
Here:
6,01
